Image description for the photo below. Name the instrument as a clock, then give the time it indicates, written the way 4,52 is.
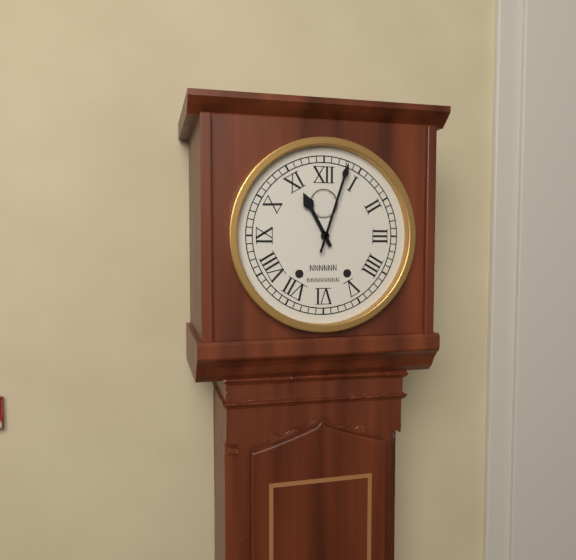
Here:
11,03
